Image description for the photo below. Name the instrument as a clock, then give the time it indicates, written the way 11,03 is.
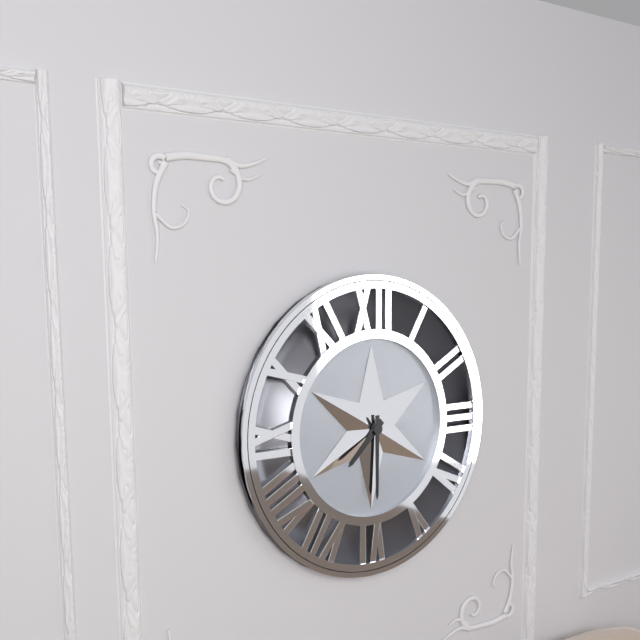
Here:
7,30
